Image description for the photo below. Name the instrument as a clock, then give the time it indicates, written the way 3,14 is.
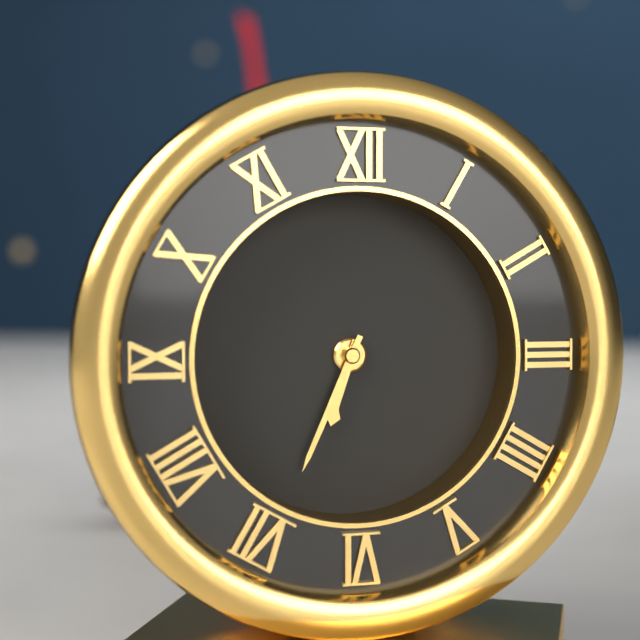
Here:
6,34
